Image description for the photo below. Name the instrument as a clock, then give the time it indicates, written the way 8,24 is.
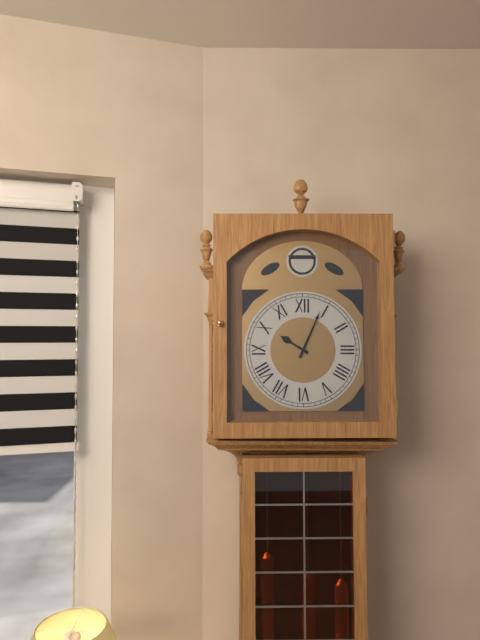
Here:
10,04
